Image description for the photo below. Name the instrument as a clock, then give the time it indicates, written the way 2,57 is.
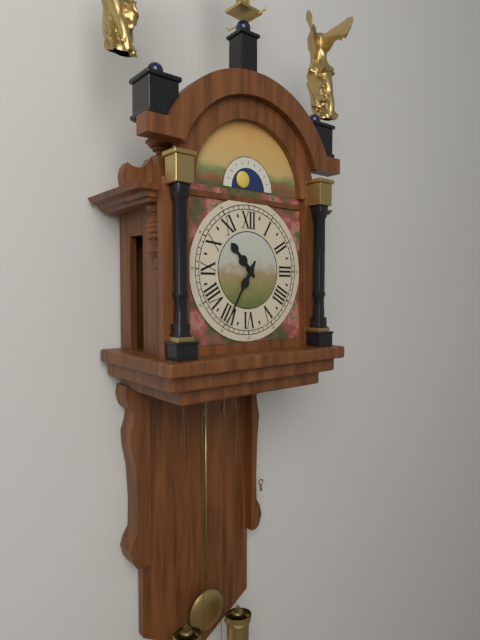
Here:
10,35
